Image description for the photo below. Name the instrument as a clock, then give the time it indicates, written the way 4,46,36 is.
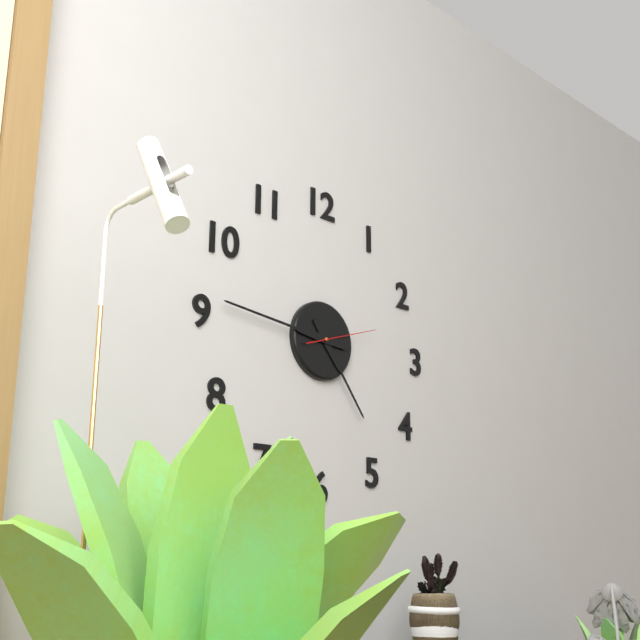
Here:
4,46,12
